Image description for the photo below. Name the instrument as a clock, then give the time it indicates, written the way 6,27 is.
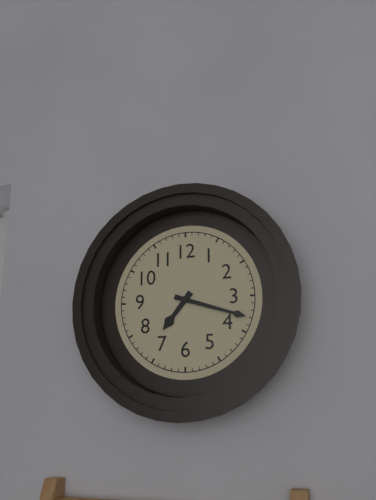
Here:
7,18
